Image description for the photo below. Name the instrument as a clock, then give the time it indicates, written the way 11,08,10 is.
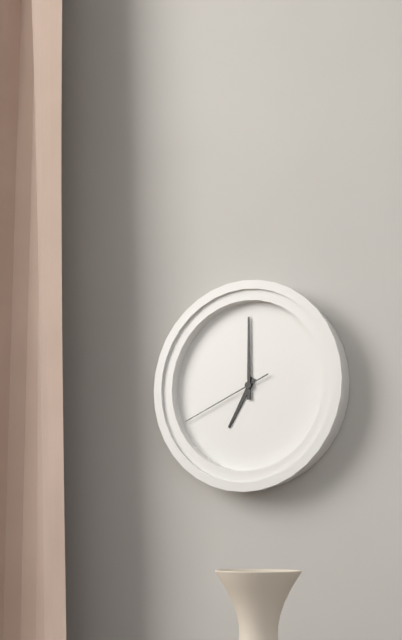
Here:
7,00,41
